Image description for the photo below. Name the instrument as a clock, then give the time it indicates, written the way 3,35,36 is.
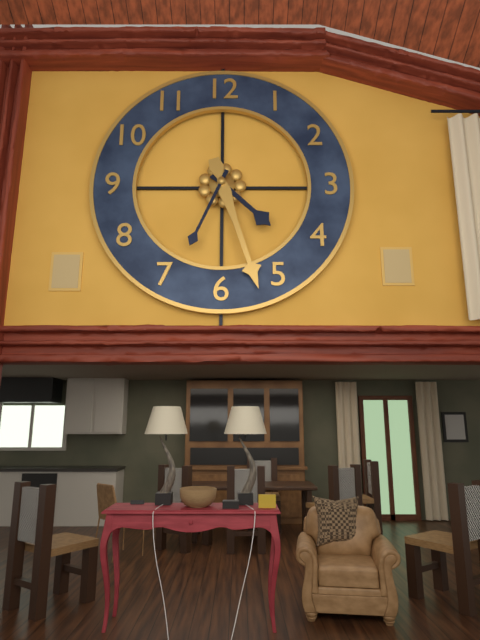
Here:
4,27,34
